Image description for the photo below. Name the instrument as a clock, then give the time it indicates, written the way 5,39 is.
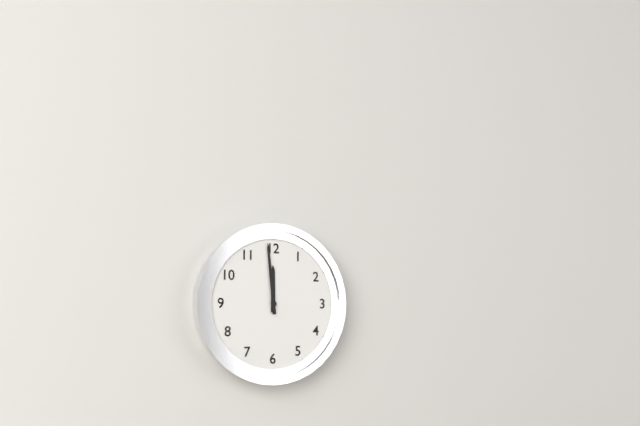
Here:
11,59
